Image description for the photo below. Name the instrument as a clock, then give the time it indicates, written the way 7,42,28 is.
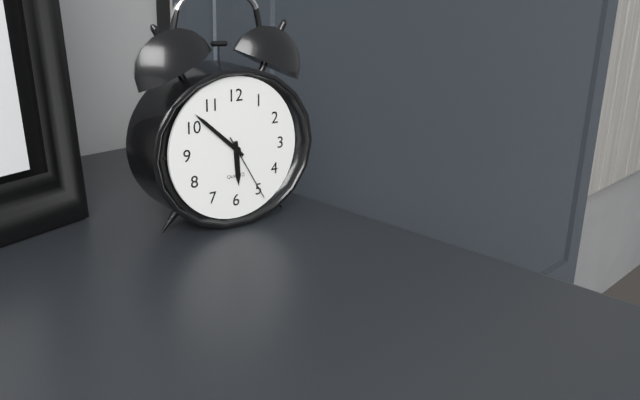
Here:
5,52,25
